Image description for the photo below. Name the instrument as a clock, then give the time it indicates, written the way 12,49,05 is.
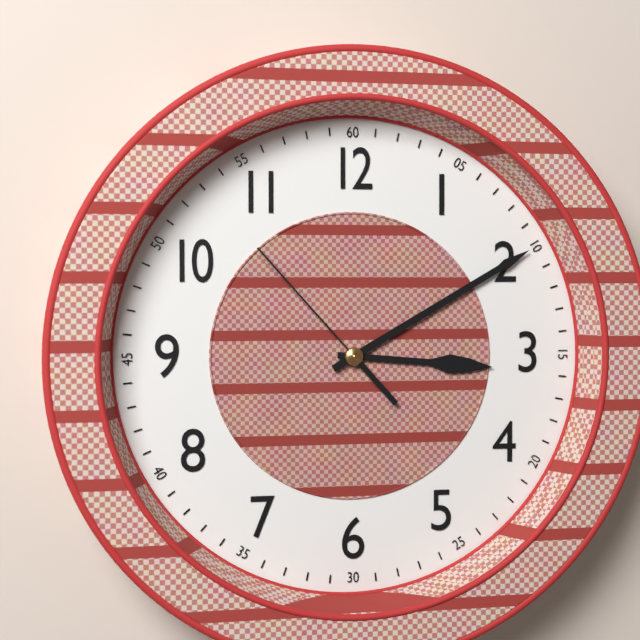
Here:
3,10,53
